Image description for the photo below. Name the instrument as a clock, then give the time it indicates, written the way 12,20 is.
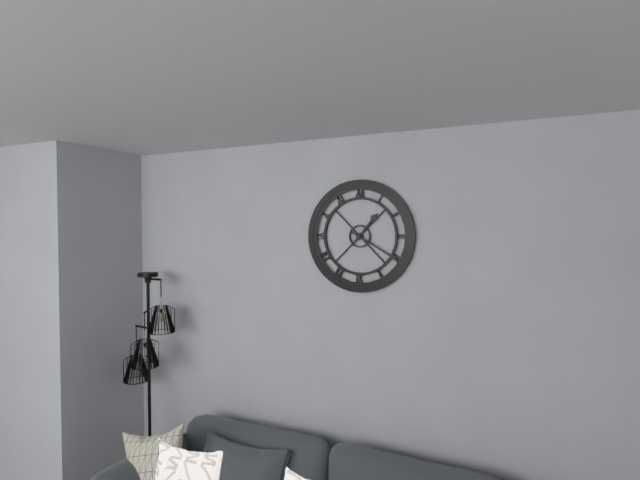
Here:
1,20
